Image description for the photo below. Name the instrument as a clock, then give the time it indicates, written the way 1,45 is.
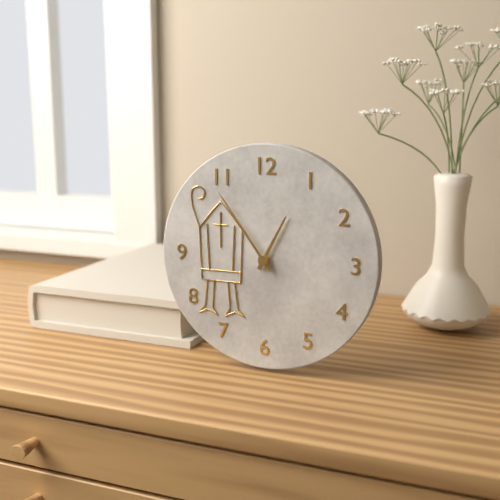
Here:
12,54
